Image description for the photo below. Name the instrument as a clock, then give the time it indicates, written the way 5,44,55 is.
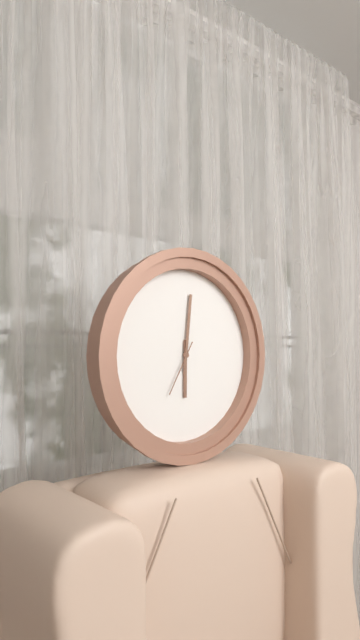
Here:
6,01,35
